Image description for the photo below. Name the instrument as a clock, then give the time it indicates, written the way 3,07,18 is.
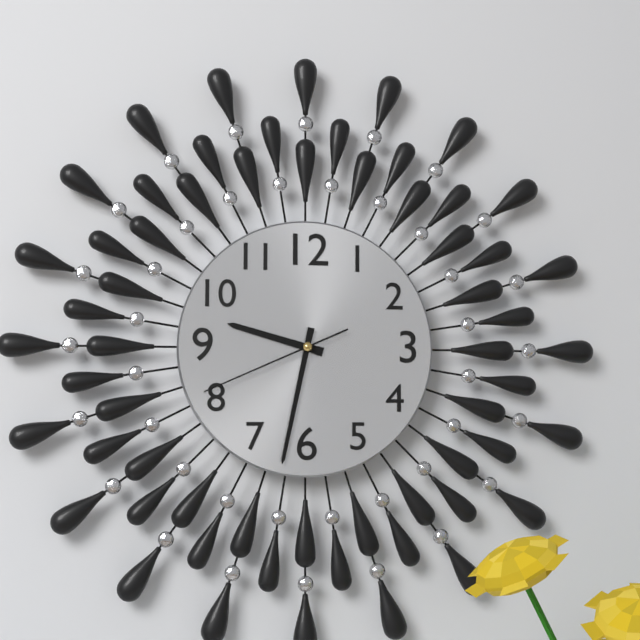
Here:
9,32,41
